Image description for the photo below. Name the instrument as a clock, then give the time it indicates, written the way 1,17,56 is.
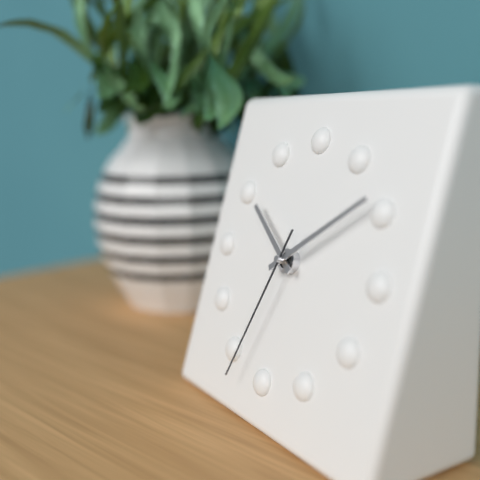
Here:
10,09,33
